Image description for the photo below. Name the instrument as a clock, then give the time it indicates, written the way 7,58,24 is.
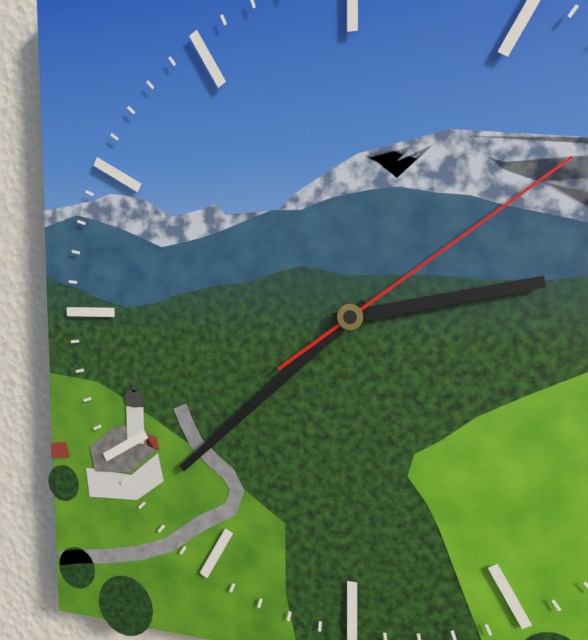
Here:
2,38,09
